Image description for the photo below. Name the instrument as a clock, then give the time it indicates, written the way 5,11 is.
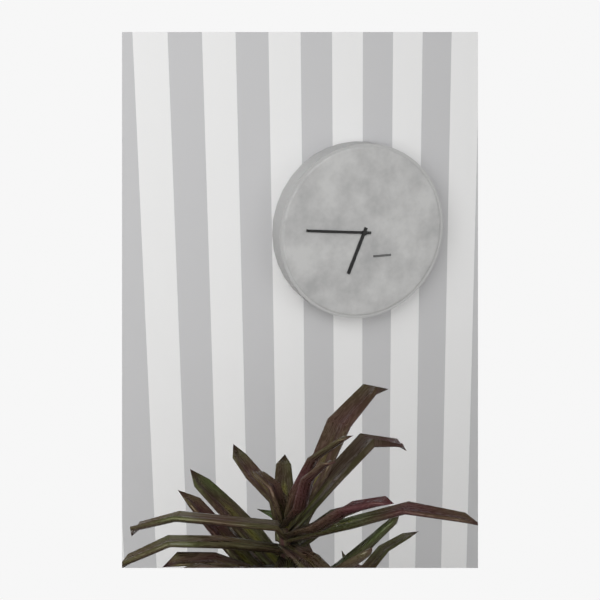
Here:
6,46
